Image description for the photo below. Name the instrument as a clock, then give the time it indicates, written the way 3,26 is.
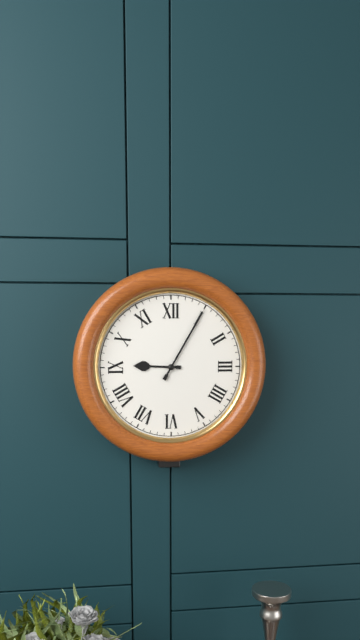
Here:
9,05
